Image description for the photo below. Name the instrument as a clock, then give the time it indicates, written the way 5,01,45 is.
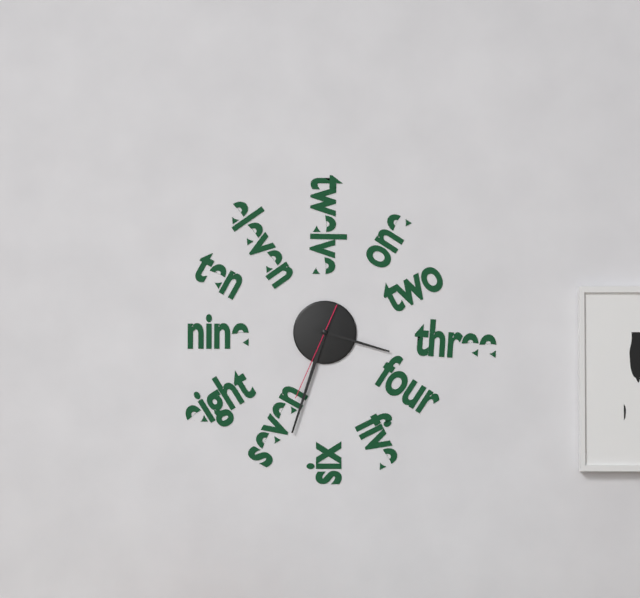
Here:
3,33,34
